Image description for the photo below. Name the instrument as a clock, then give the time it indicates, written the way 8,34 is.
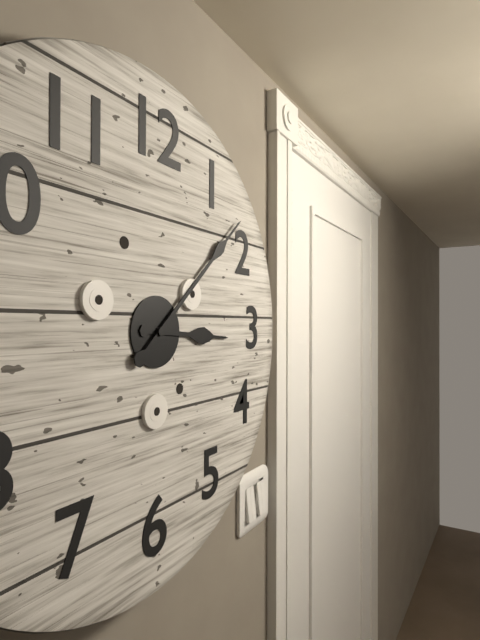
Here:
3,08
